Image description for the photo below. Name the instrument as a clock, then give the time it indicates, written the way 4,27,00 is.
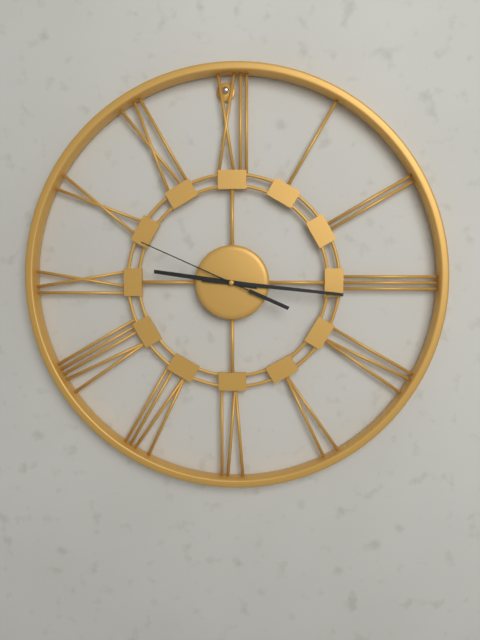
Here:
9,16,49
